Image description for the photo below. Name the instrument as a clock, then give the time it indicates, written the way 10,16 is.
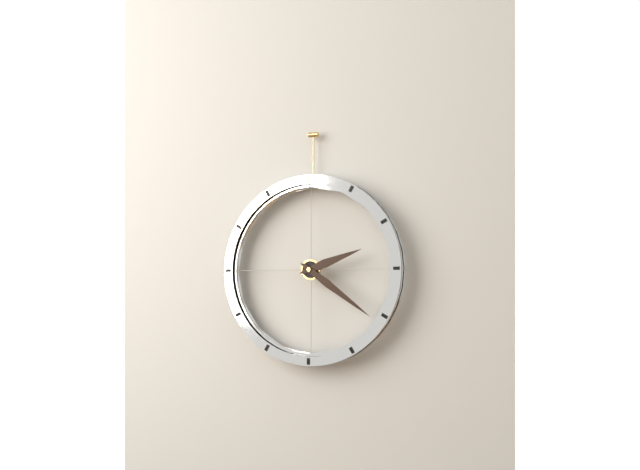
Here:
2,21
